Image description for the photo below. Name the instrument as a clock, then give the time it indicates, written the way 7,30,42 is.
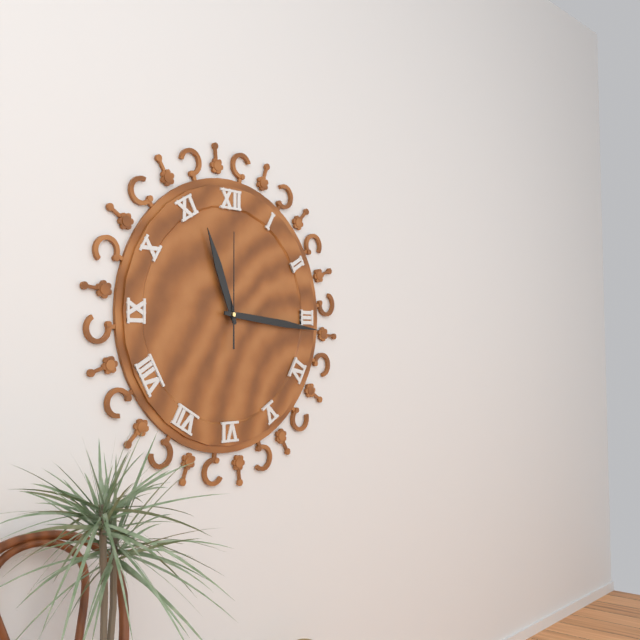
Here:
11,16,00
